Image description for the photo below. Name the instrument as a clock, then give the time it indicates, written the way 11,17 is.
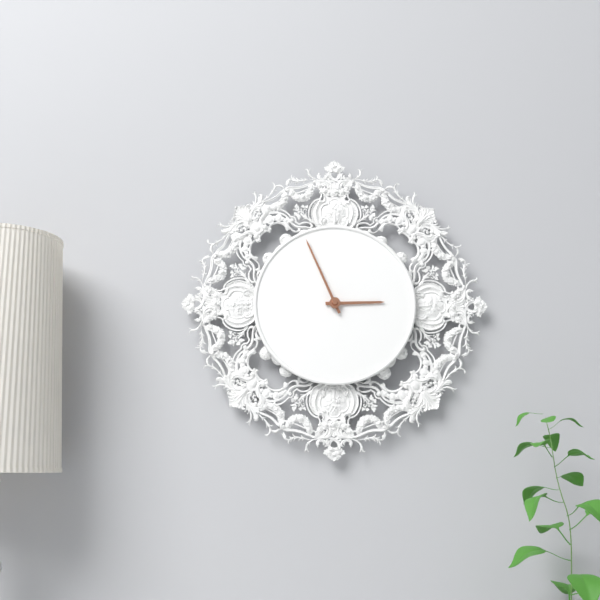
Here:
2,56
